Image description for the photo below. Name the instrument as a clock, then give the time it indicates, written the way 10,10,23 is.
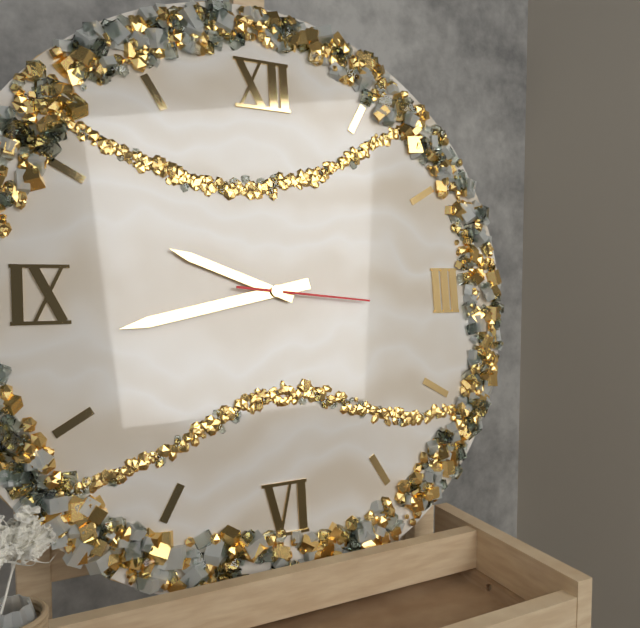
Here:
9,43,16
